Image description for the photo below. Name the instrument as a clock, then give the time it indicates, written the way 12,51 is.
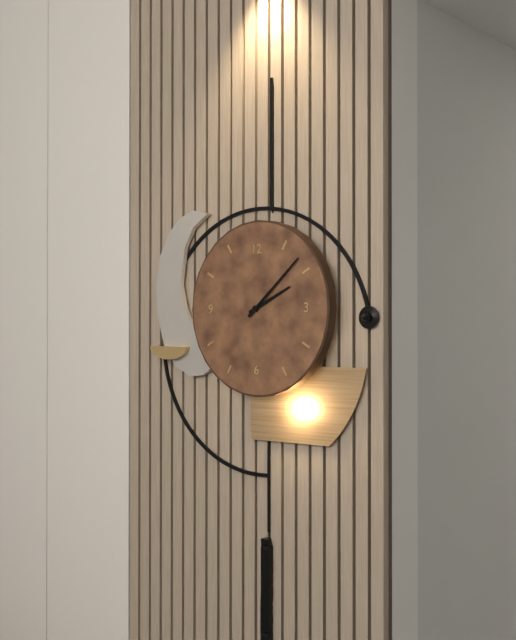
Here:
2,08
